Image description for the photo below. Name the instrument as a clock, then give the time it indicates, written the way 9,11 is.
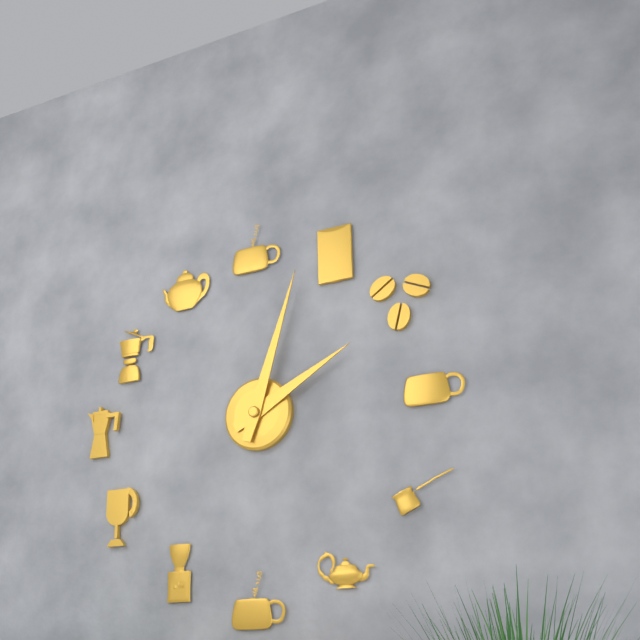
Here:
2,03
